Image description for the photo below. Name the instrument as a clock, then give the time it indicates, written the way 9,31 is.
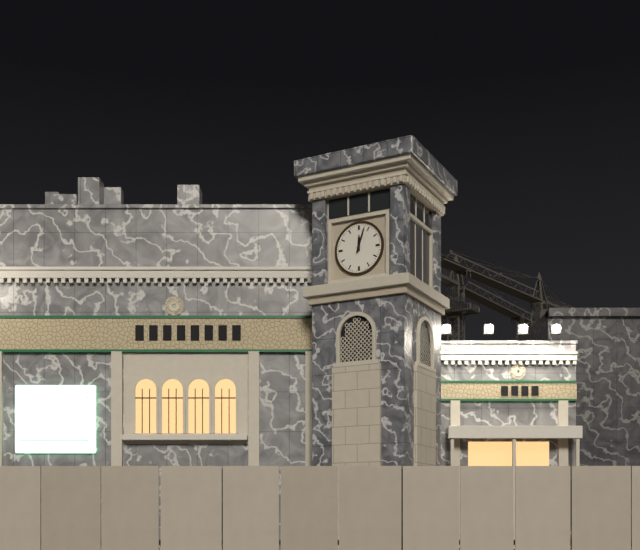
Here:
12,03
